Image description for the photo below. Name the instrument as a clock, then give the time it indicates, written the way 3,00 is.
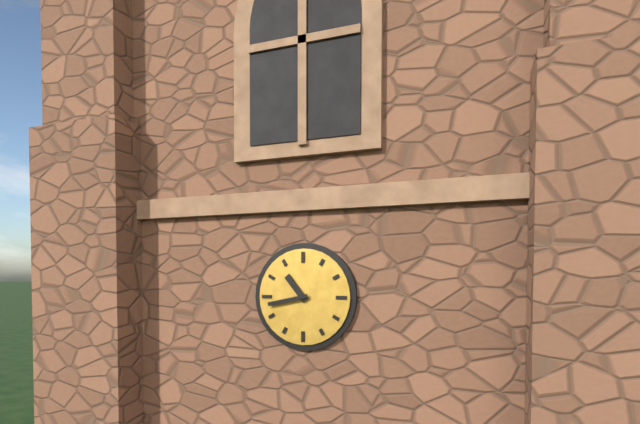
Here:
10,43
